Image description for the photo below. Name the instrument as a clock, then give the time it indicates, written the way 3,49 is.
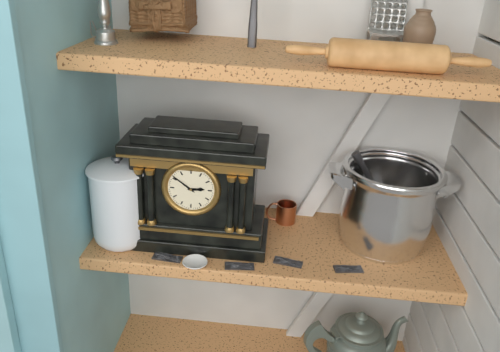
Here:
2,51
